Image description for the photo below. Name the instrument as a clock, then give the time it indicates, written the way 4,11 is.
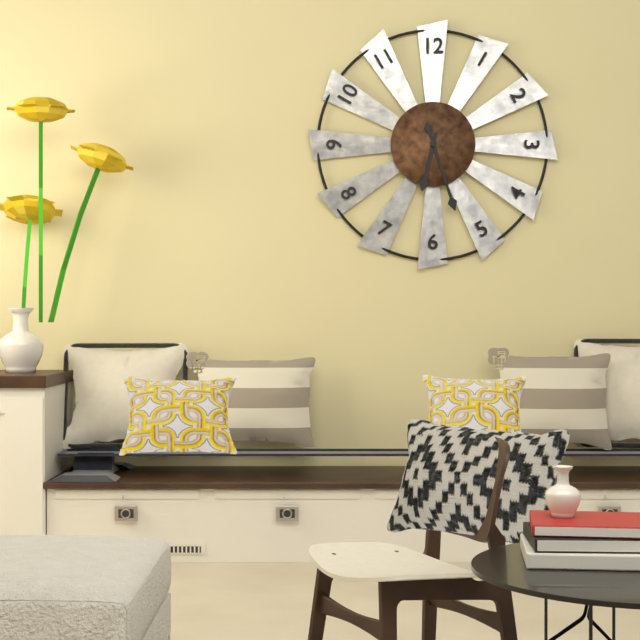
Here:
6,27
